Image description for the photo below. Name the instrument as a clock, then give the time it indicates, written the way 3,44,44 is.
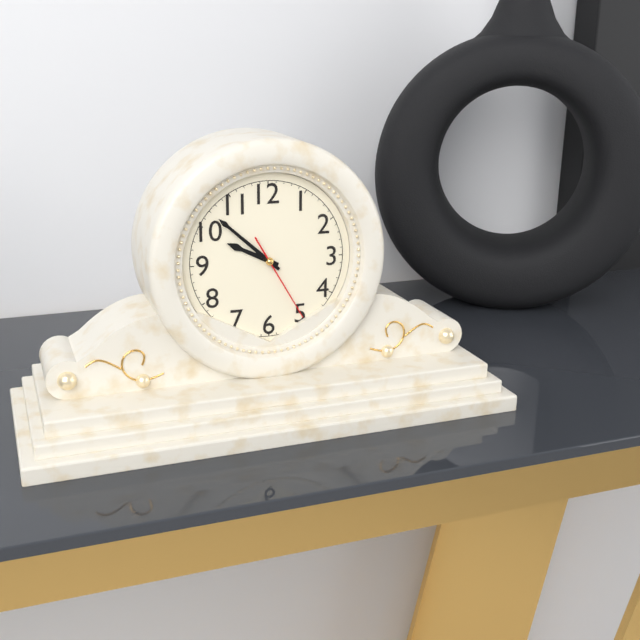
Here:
9,52,25
